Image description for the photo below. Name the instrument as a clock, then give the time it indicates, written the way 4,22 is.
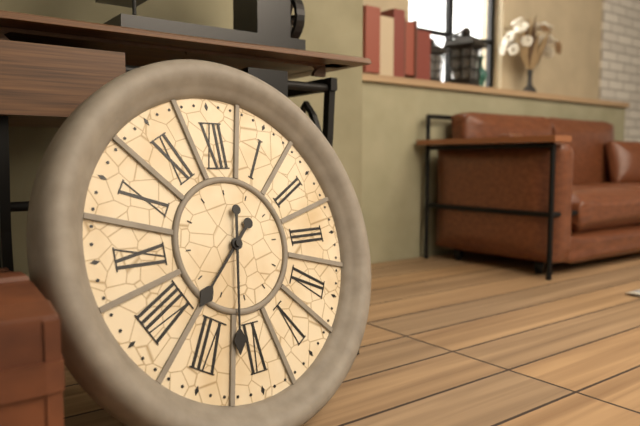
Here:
7,32
